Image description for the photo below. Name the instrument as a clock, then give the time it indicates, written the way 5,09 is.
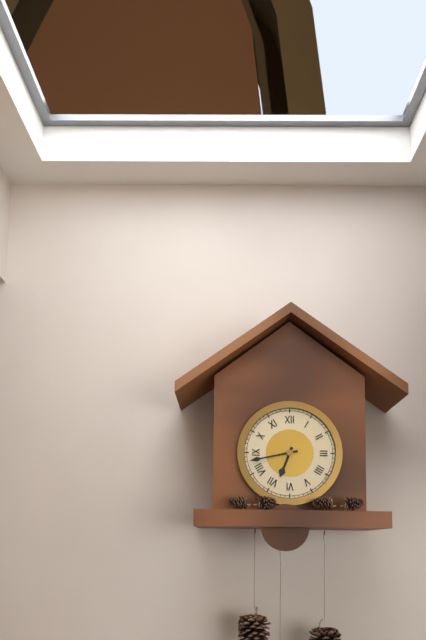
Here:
6,43
